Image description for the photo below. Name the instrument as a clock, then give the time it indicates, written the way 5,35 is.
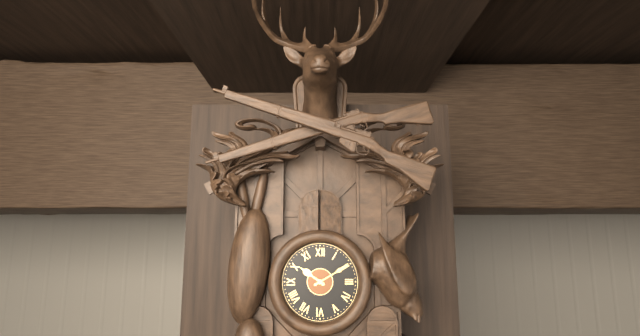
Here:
10,10
